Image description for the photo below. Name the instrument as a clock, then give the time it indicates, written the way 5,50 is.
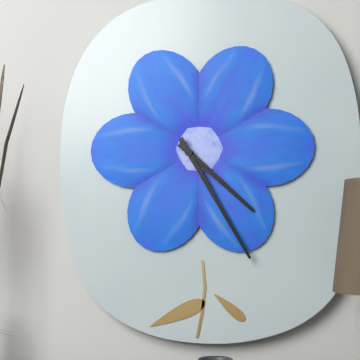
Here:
4,25
